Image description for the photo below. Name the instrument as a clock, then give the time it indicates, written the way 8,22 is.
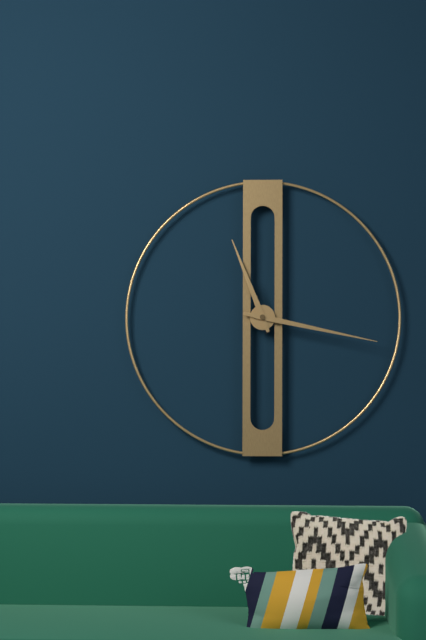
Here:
11,17
